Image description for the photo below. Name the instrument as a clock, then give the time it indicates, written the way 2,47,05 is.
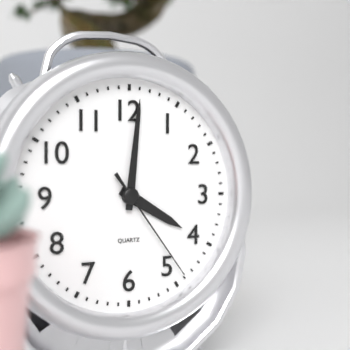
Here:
4,01,24
